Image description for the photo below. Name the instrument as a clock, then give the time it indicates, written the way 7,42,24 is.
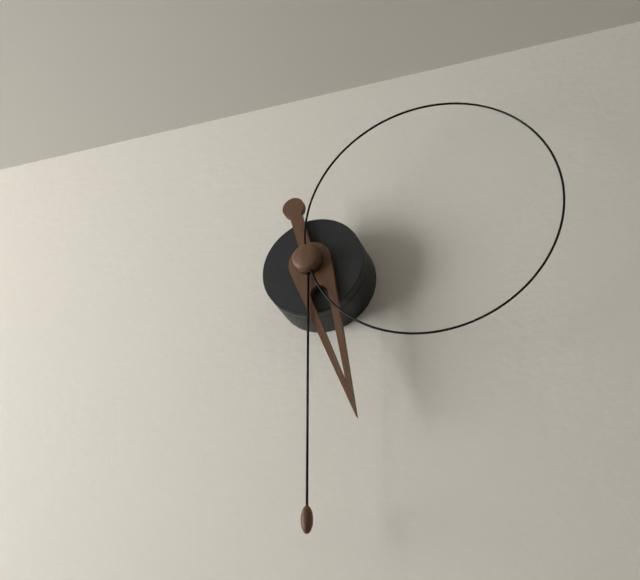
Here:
5,30,13
